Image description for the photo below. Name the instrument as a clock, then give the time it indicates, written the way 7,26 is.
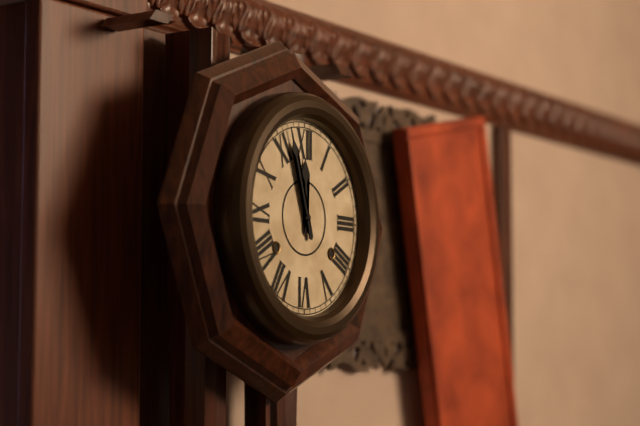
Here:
11,57
